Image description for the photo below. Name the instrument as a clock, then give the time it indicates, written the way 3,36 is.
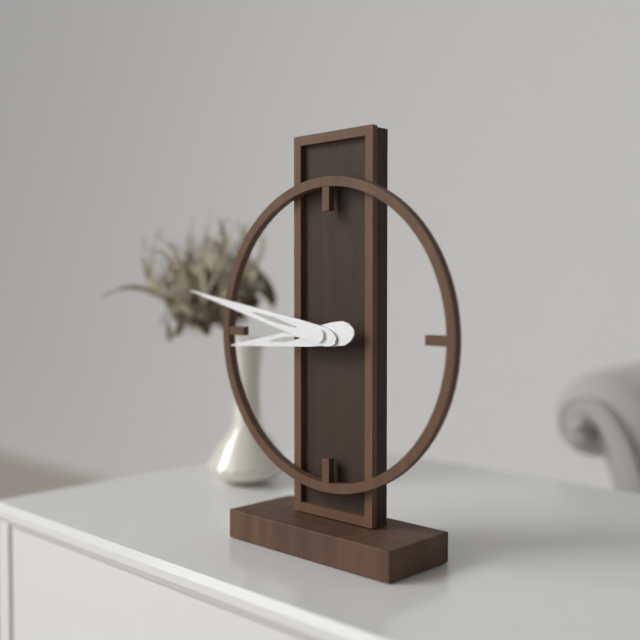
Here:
8,47
